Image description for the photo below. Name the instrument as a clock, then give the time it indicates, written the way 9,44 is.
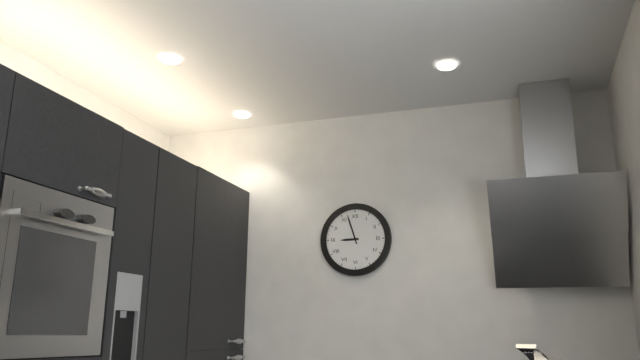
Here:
8,57
